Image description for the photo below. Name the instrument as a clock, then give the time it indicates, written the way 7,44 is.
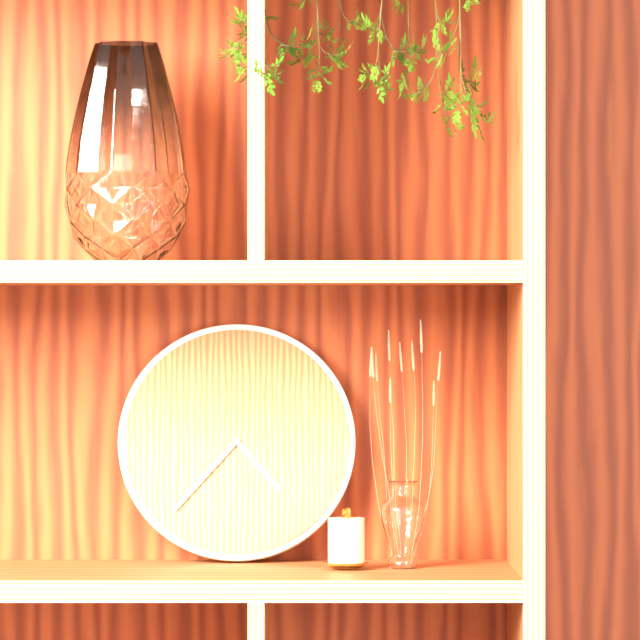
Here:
4,37
